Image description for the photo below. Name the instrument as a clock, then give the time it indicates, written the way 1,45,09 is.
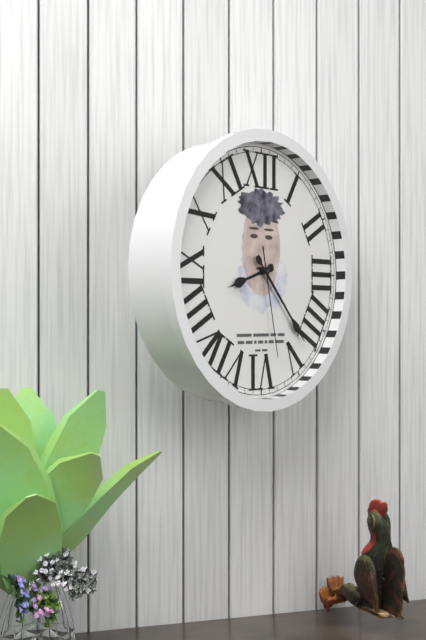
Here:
8,23,28
